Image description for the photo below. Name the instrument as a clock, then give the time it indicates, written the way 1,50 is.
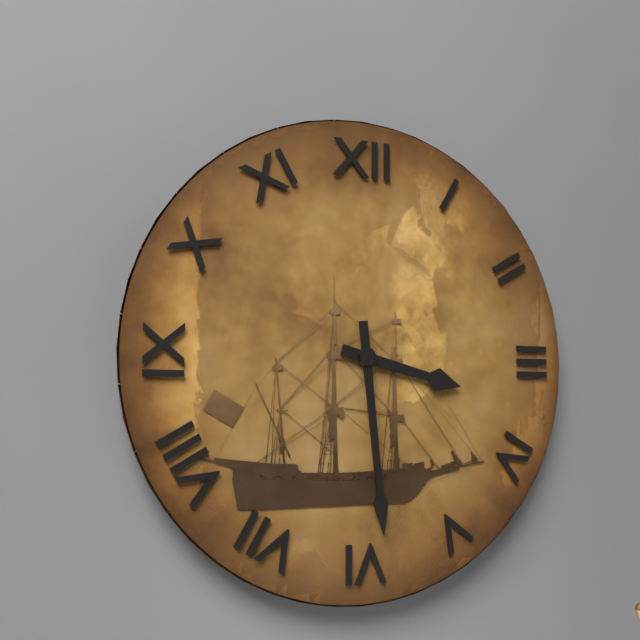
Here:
3,29
